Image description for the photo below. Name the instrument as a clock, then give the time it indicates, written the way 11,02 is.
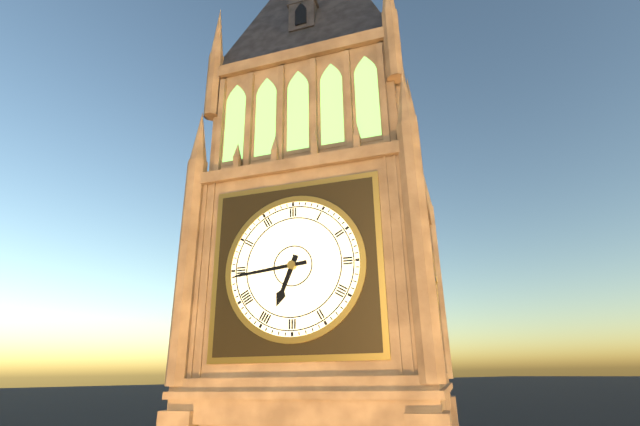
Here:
6,44
